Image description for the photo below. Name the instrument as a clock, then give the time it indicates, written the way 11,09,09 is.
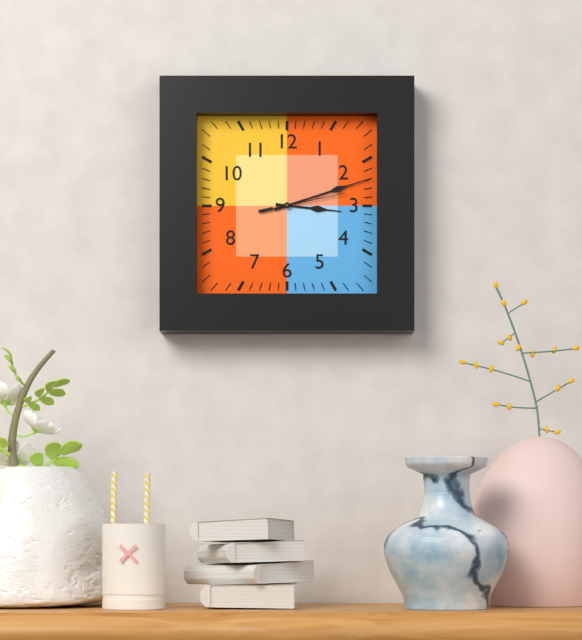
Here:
3,12,13
